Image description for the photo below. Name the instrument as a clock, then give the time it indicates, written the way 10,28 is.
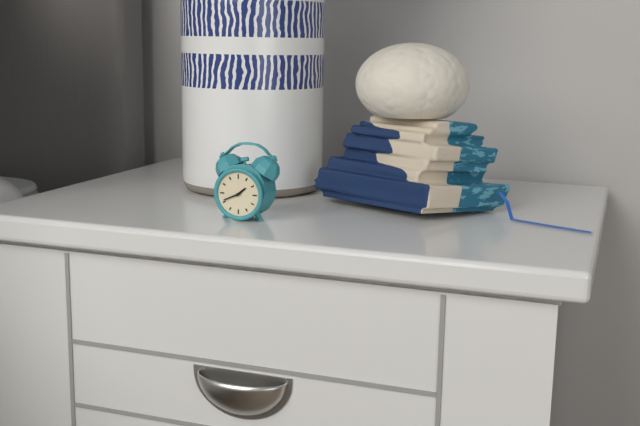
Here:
1,41
